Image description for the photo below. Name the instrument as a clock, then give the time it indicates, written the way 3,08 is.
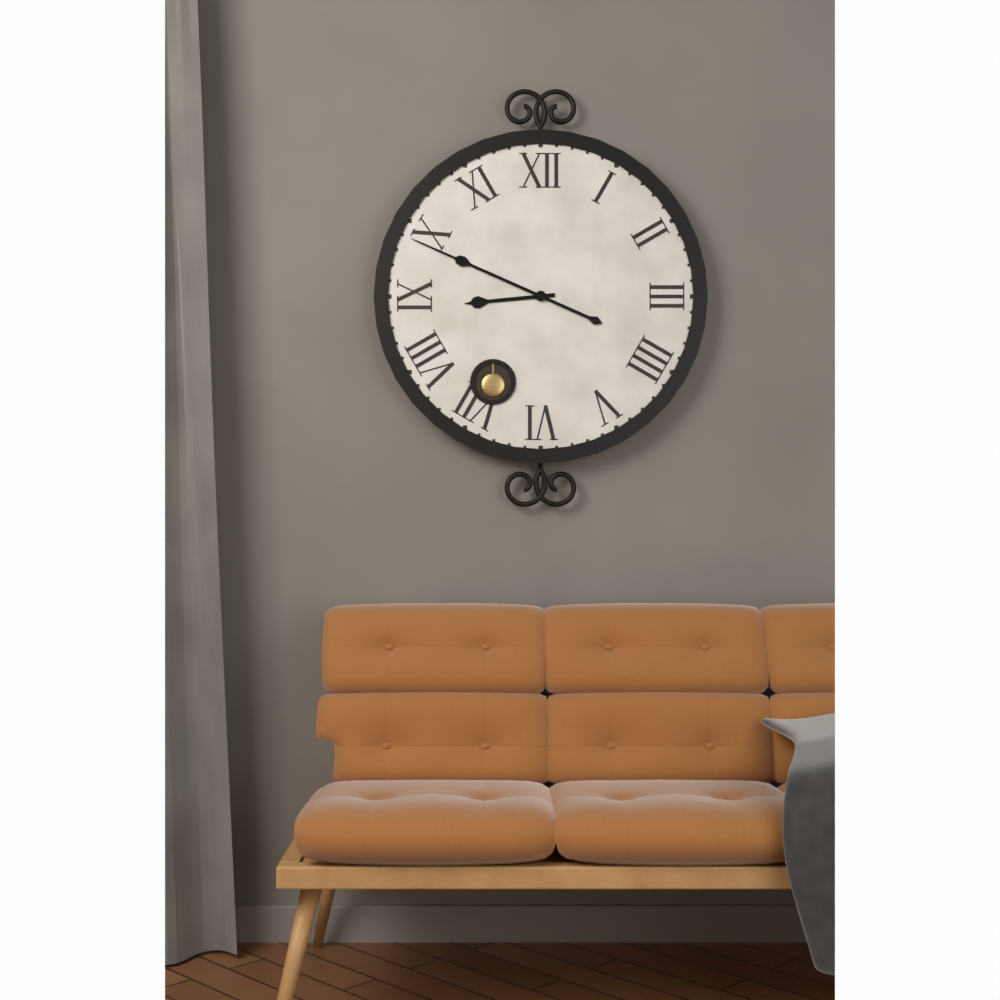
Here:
8,49
